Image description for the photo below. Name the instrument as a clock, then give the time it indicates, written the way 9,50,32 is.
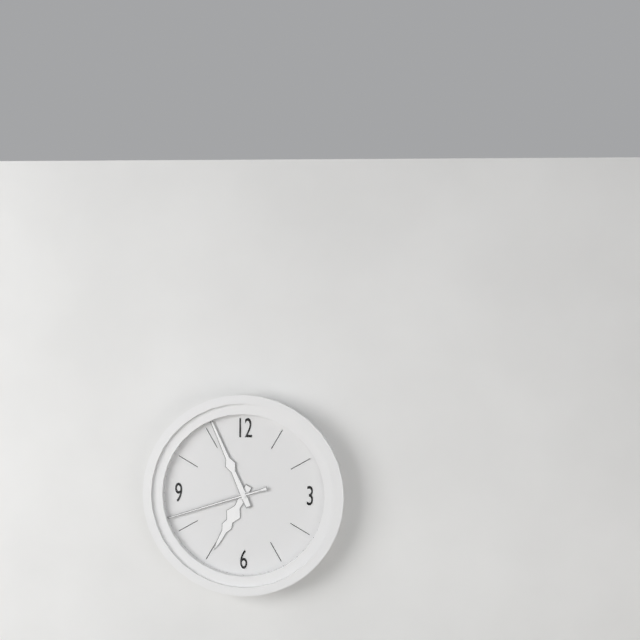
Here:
6,56,42
